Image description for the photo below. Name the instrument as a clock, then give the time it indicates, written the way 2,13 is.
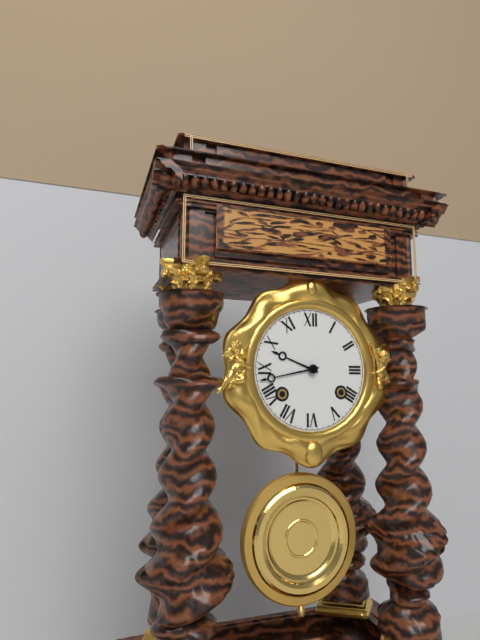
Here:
9,43
